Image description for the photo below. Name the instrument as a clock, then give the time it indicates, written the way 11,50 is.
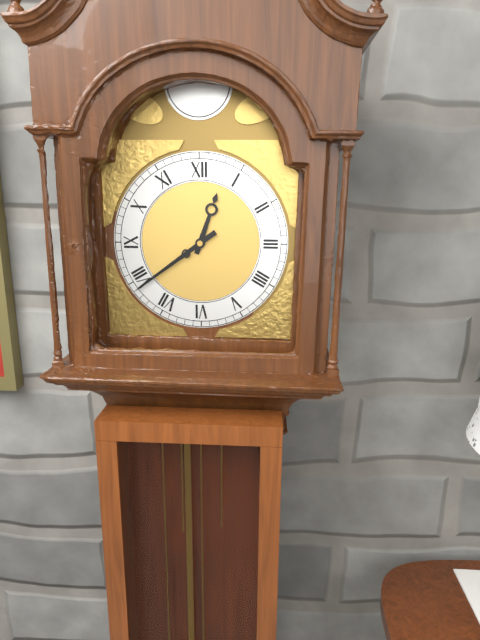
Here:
12,39
